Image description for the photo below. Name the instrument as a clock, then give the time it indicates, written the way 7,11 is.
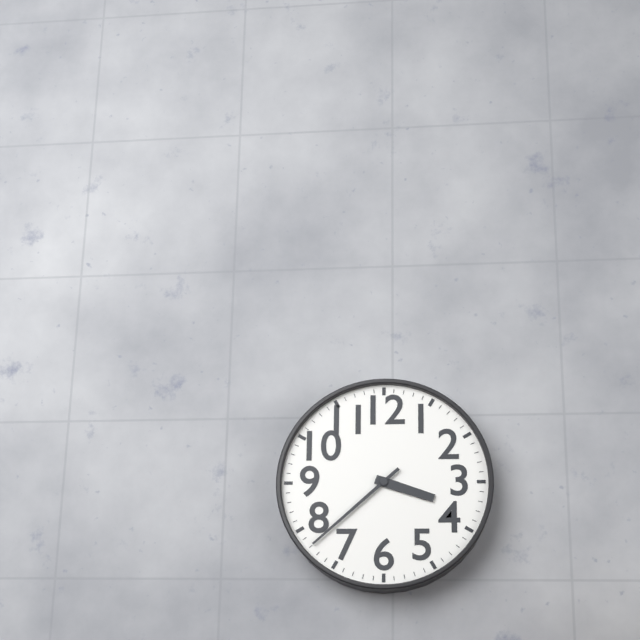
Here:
3,38
